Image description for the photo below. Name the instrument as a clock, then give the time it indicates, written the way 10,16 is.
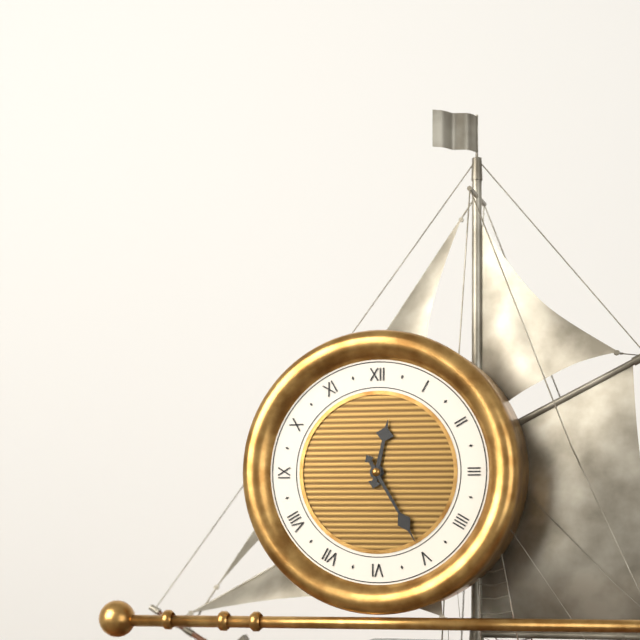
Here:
12,25
